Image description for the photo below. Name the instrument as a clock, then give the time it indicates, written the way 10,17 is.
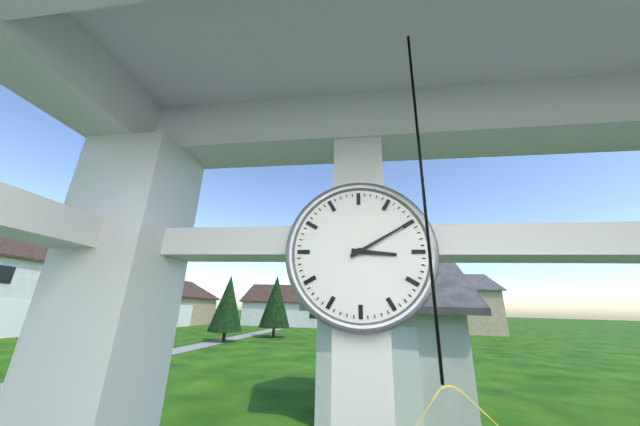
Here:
3,10
